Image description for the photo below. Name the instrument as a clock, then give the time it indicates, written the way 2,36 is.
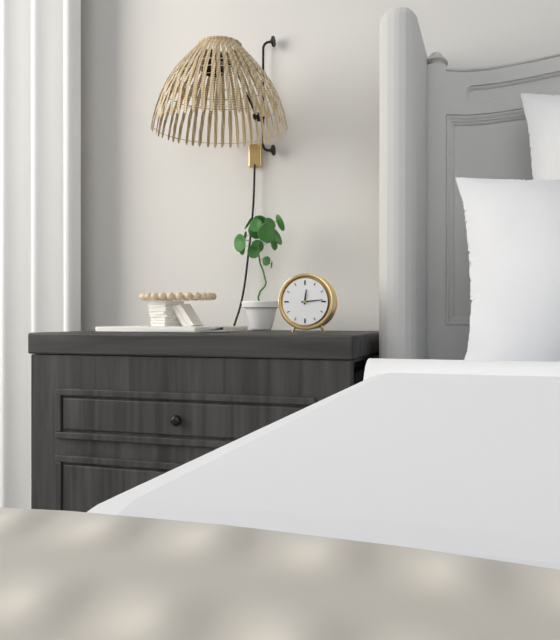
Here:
12,14
